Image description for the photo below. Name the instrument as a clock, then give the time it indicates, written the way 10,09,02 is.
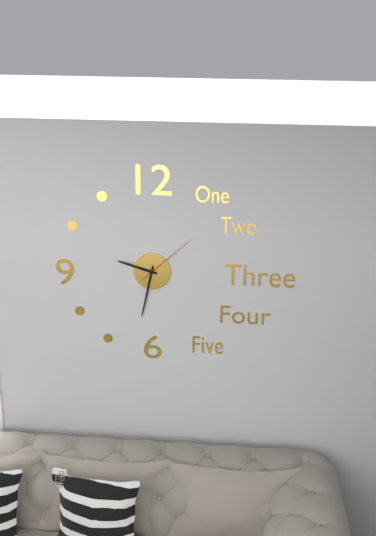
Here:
9,32,08
